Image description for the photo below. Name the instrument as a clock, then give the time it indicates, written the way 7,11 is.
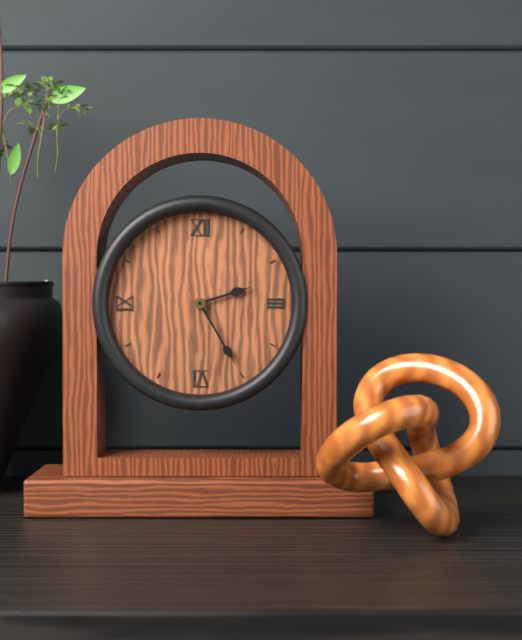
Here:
2,25
